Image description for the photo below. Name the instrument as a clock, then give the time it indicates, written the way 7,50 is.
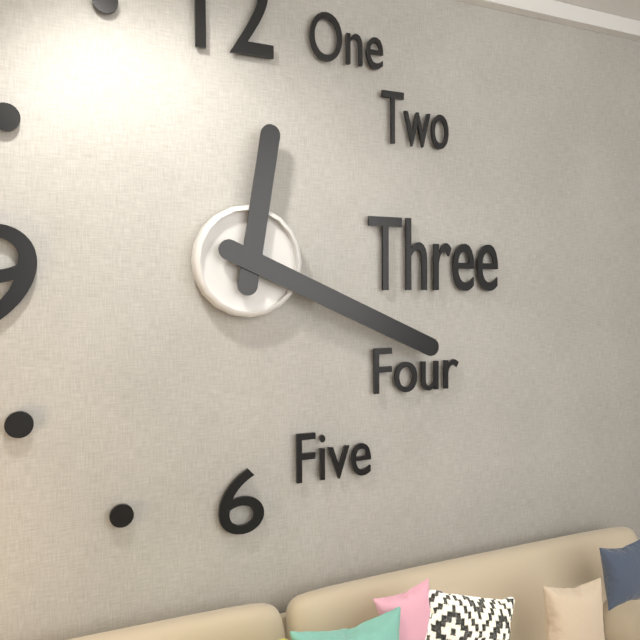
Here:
12,19
